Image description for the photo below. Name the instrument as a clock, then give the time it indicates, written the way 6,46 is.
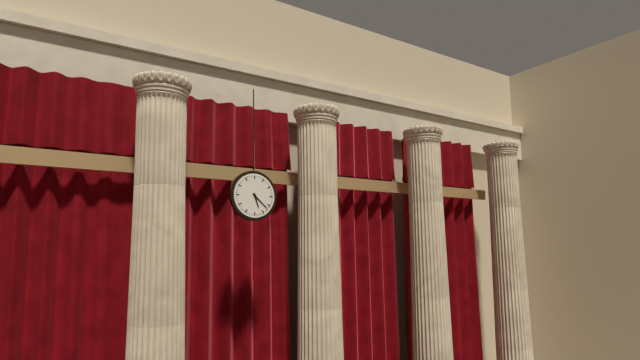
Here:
5,22
